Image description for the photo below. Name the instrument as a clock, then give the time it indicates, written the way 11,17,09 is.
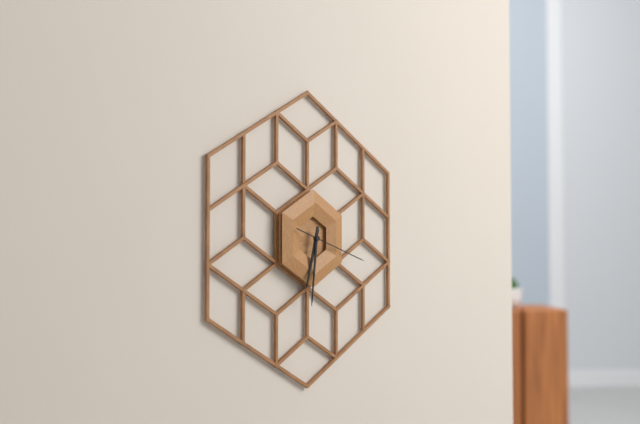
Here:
6,31,18
